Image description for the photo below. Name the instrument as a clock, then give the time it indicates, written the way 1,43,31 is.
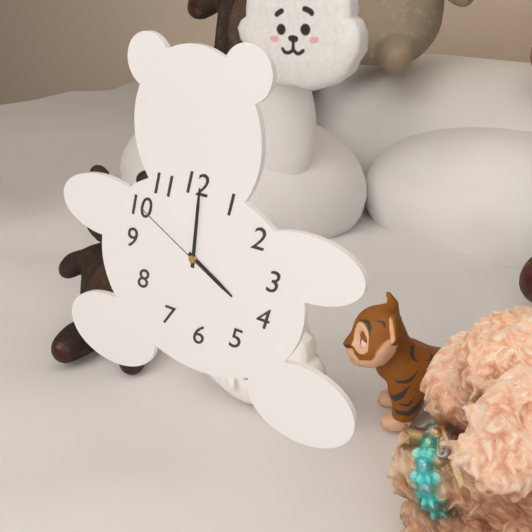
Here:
4,01,50
